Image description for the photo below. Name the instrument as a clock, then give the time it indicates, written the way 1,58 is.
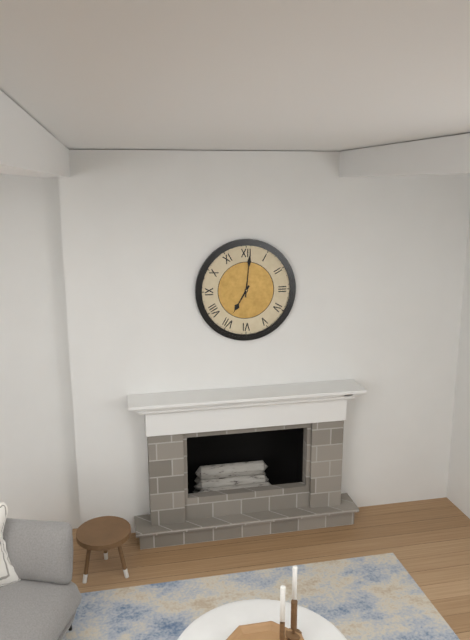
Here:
7,01
